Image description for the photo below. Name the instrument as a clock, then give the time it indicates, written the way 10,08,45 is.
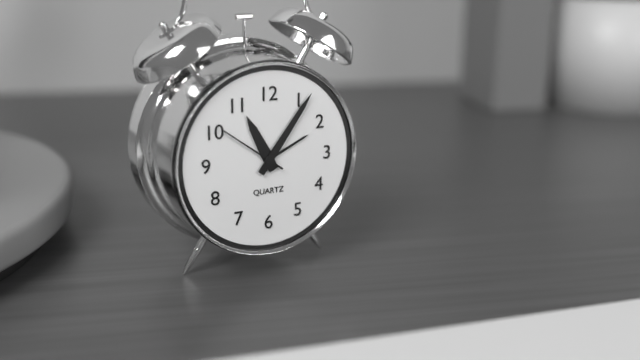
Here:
11,06,51
